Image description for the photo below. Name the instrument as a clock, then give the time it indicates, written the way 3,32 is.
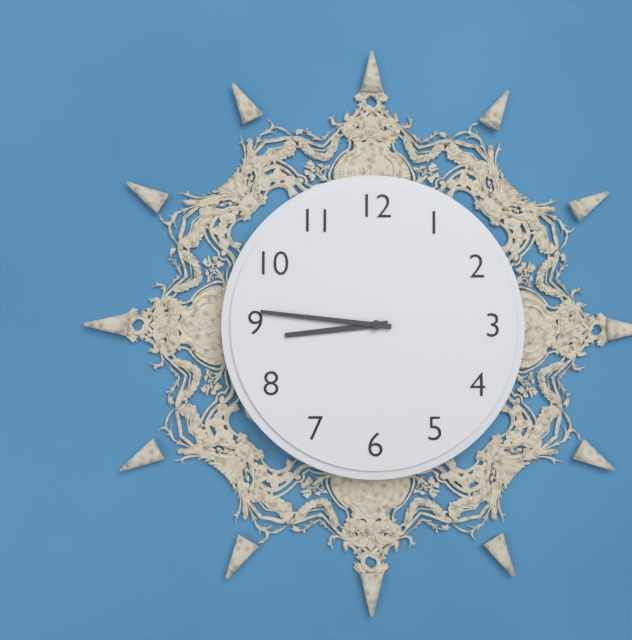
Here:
8,46
